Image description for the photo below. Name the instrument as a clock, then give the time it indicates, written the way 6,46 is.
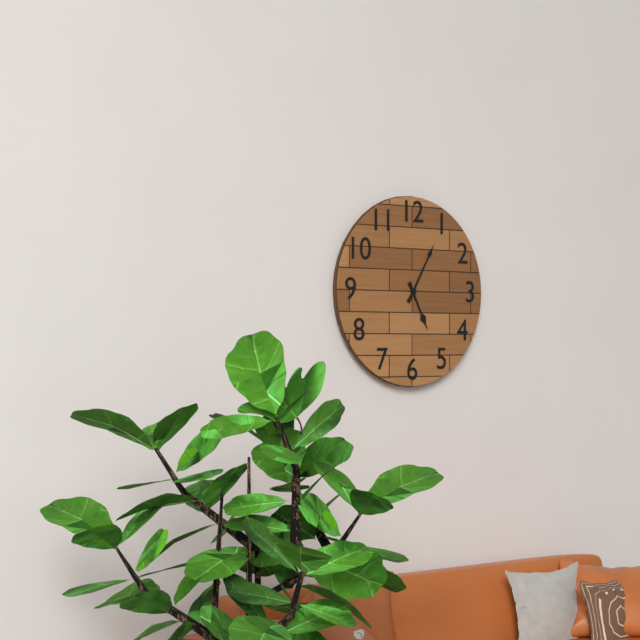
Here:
5,05
